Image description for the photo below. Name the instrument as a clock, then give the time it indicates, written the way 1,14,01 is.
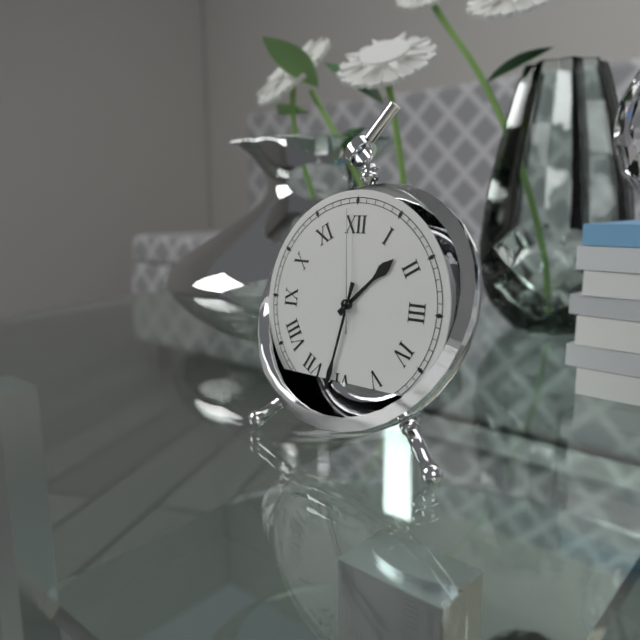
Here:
1,32,59
